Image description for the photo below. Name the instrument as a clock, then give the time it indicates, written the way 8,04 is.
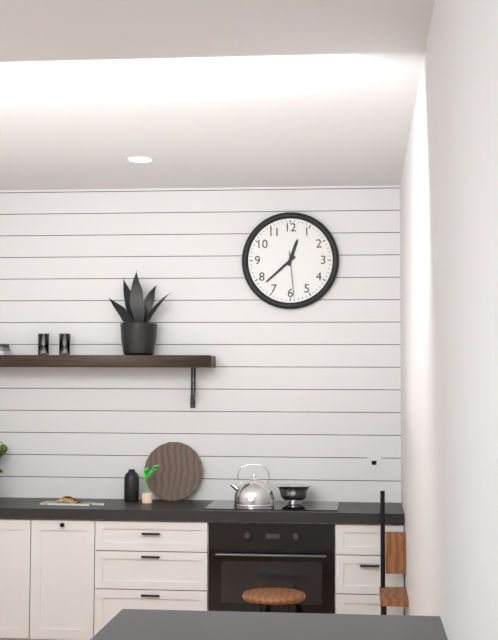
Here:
12,38
